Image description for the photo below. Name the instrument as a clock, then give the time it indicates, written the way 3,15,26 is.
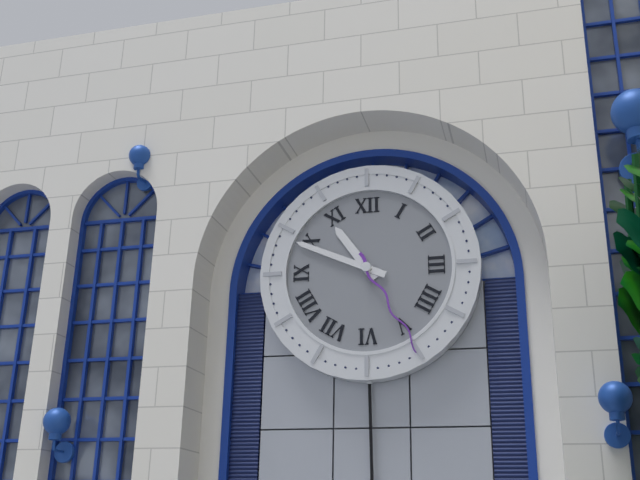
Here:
10,49,25
